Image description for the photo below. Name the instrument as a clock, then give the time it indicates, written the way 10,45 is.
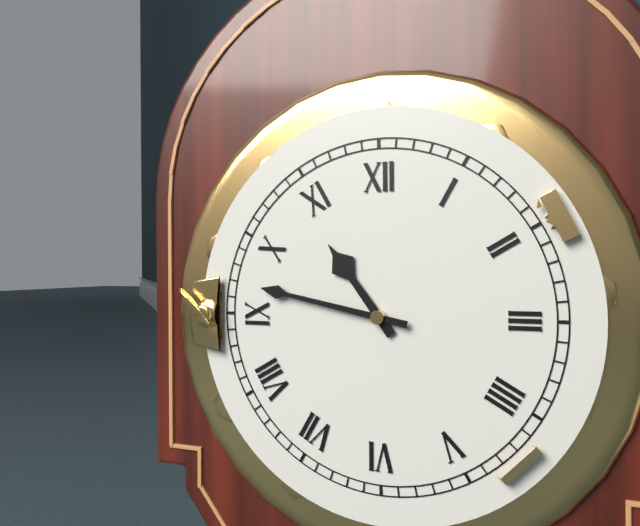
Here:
10,47
